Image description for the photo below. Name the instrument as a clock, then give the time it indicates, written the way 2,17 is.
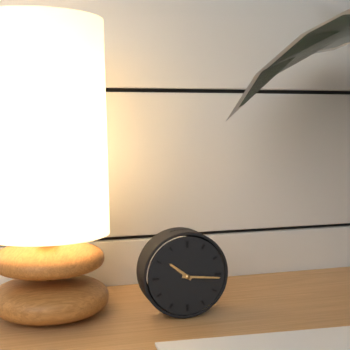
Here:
10,16
